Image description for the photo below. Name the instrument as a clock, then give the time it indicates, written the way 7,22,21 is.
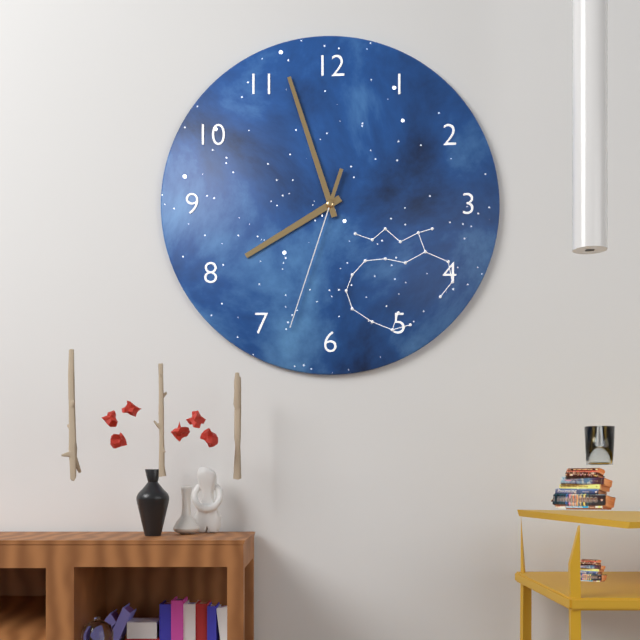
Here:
7,57,33
